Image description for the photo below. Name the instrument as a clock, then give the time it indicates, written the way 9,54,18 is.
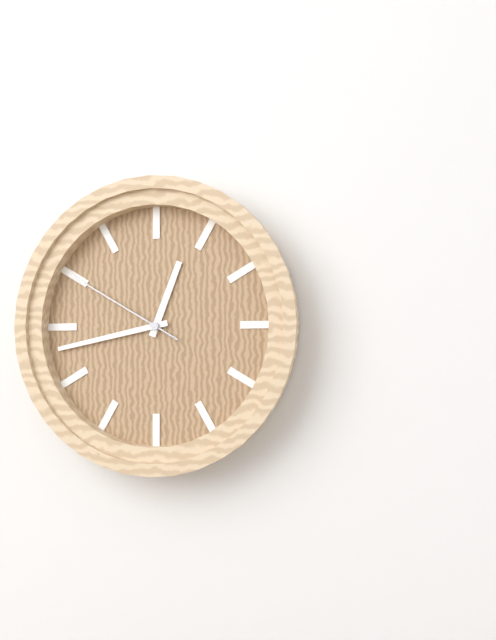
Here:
12,43,50
